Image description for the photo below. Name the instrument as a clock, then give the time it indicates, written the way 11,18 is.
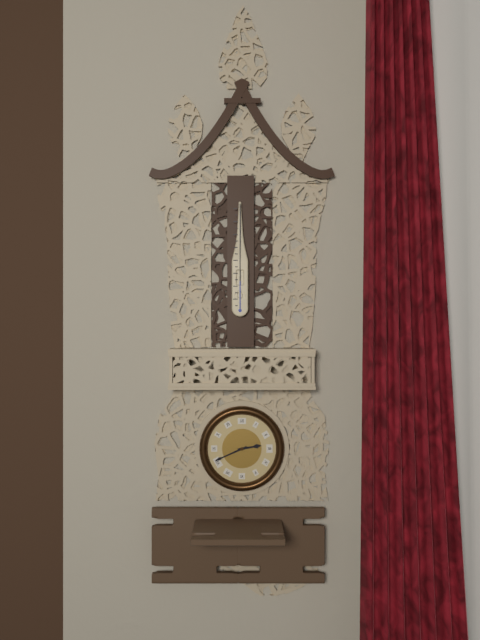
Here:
2,41
